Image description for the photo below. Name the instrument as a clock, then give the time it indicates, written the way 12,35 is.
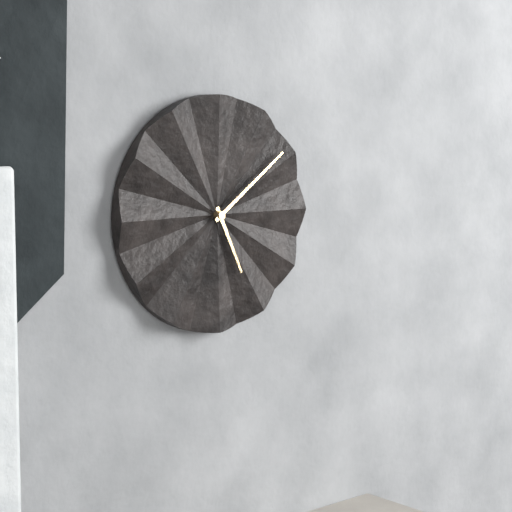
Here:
5,09
